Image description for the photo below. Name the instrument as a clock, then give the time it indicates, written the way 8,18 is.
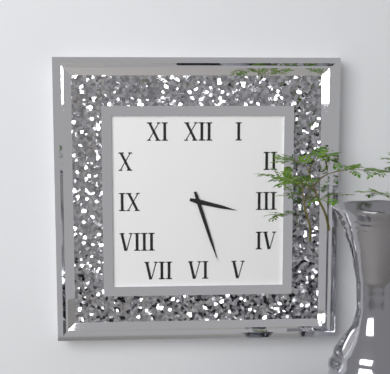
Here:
3,27
